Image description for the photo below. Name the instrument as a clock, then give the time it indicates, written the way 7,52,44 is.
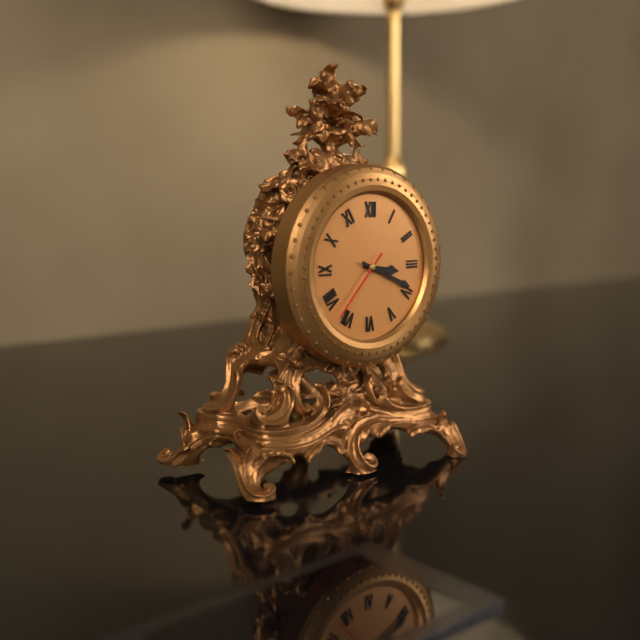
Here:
3,19,37
